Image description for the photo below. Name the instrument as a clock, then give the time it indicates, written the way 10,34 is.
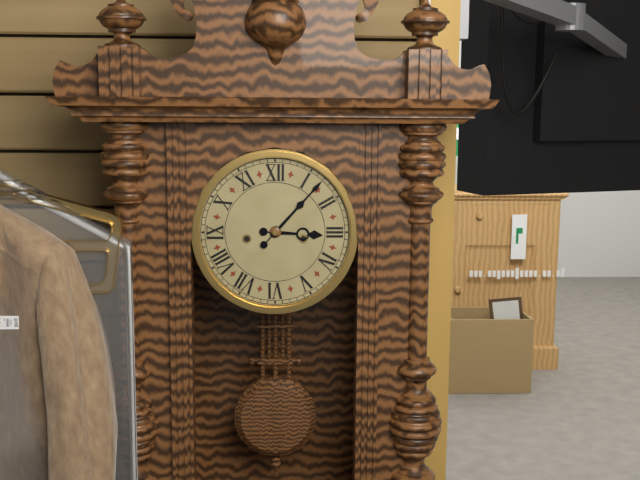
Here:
3,07
